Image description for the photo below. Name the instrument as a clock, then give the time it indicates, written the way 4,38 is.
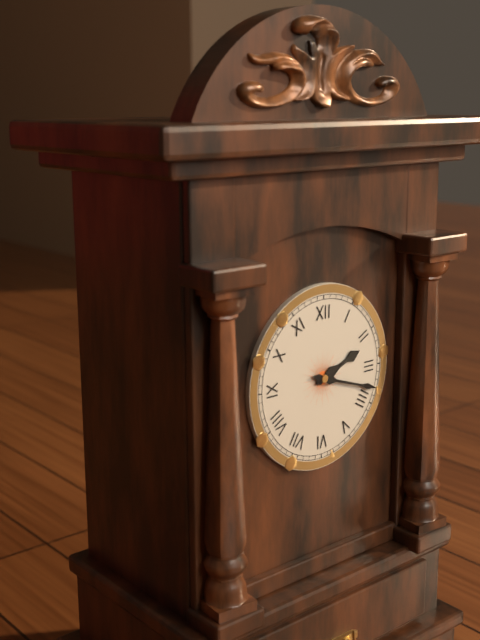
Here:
2,18
